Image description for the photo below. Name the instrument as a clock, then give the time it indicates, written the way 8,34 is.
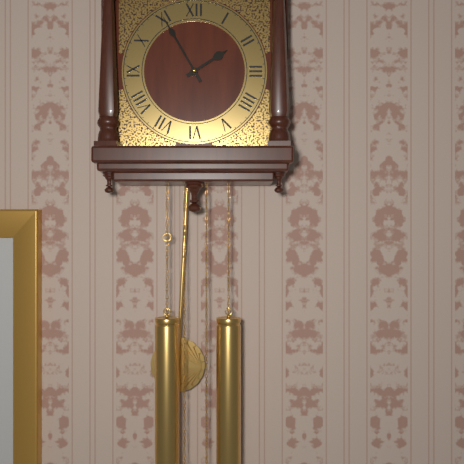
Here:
1,55
